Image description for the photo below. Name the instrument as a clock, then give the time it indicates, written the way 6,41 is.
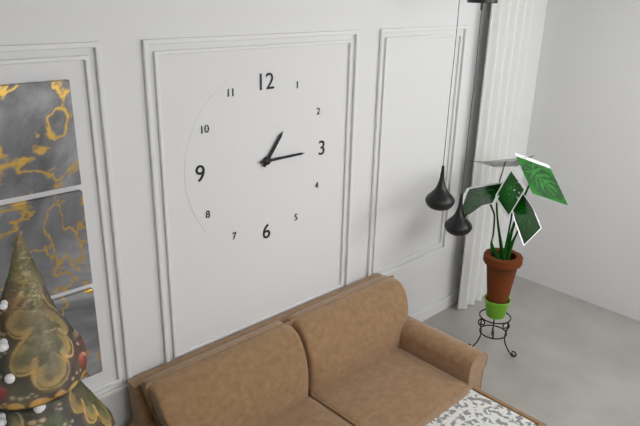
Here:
1,15
